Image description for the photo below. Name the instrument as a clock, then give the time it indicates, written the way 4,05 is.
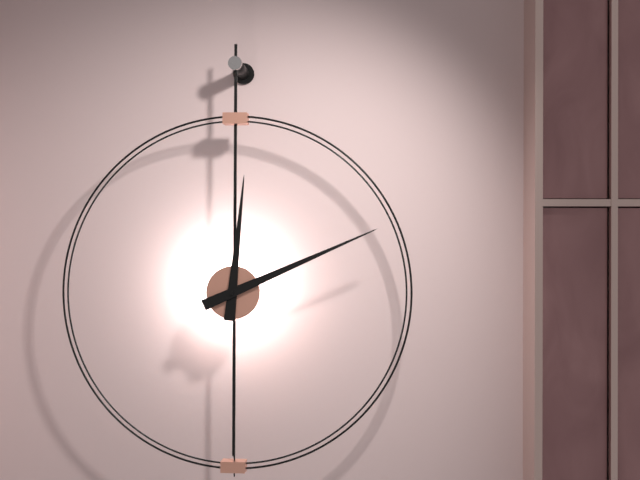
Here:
12,11
